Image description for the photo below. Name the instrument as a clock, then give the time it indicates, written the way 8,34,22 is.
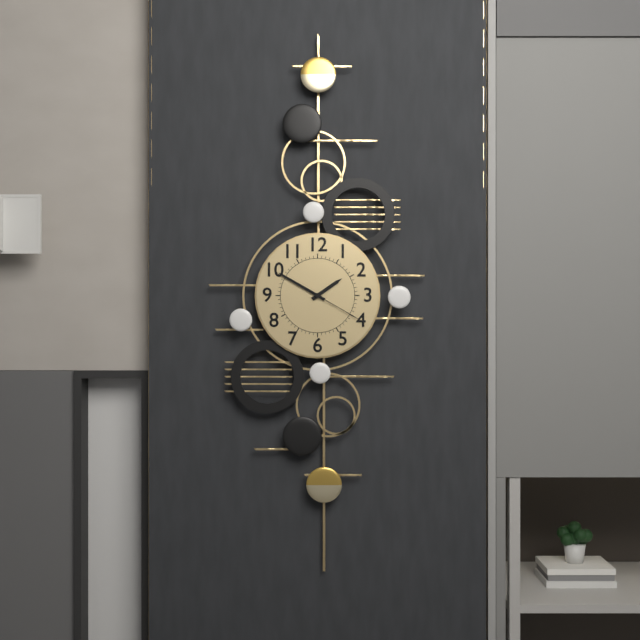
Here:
1,50,20
